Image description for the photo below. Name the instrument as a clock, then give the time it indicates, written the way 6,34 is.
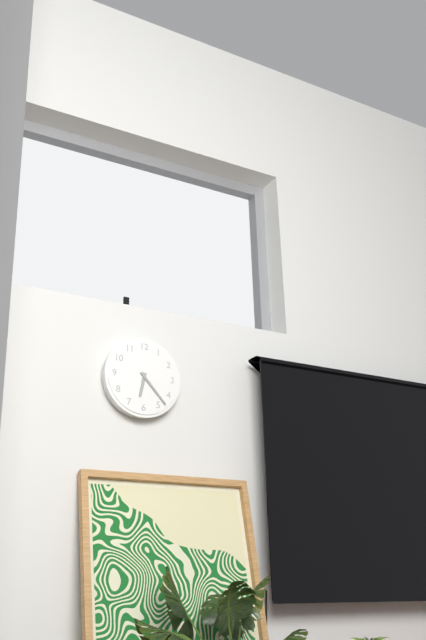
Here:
6,23
